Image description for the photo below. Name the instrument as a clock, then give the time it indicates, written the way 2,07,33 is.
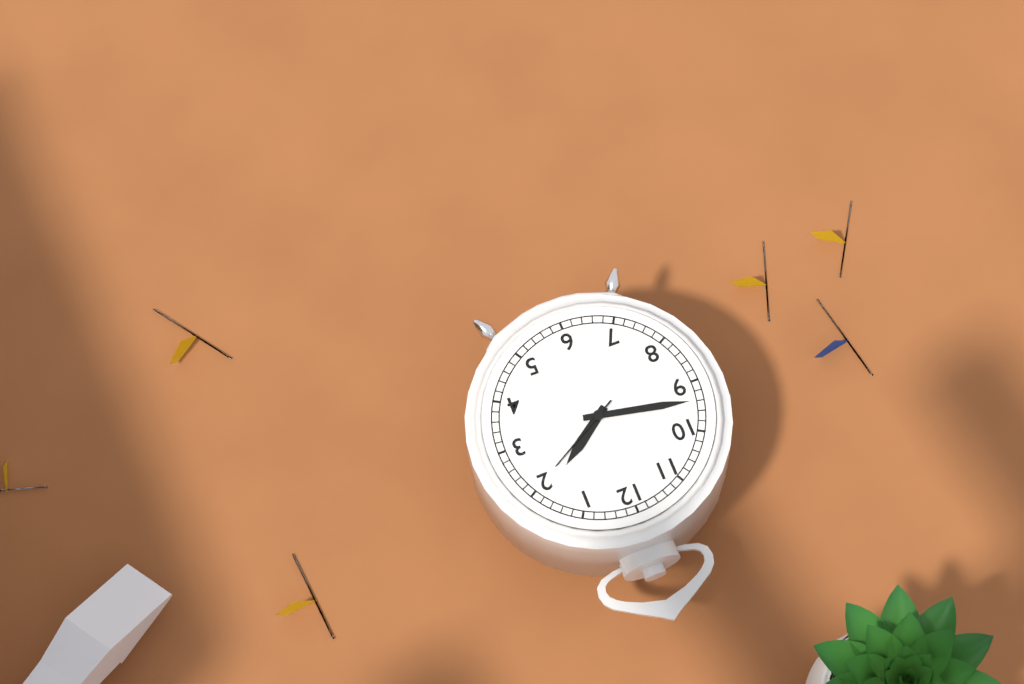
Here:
1,47,10
